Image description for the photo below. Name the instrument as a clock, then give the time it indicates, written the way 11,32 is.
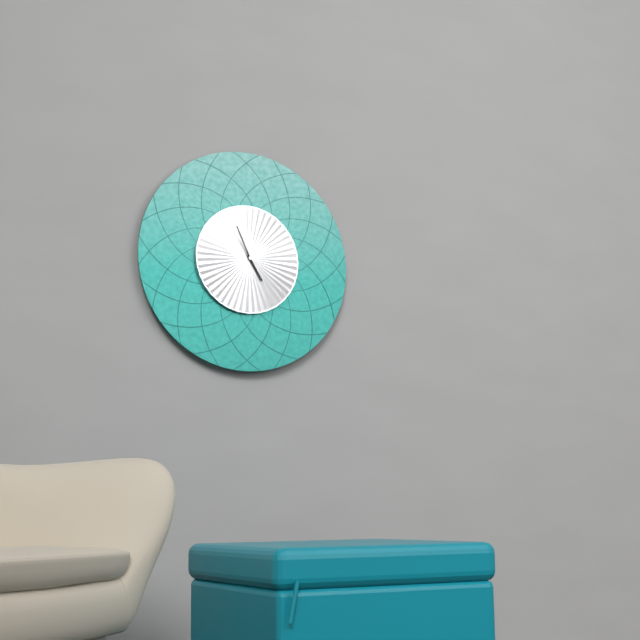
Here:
4,56
